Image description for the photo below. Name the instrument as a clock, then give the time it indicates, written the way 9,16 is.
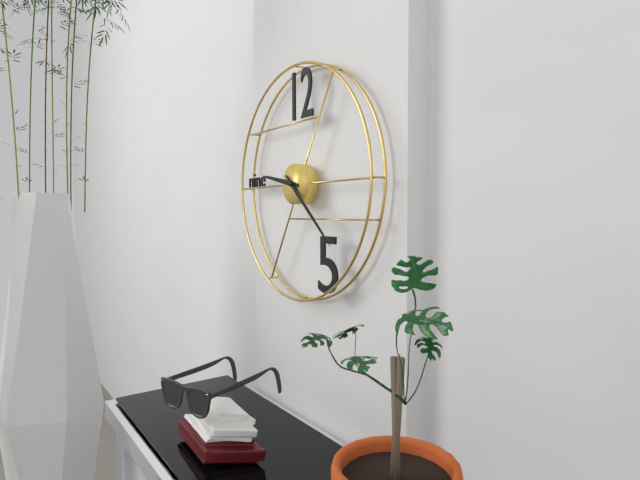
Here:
9,22
